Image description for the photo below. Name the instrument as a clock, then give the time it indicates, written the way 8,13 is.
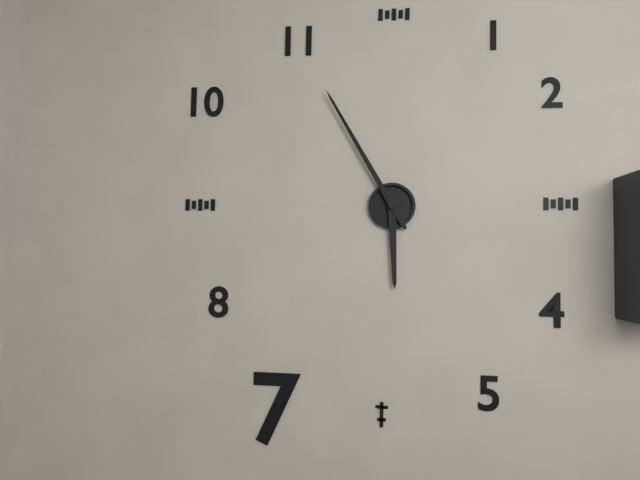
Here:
5,55
